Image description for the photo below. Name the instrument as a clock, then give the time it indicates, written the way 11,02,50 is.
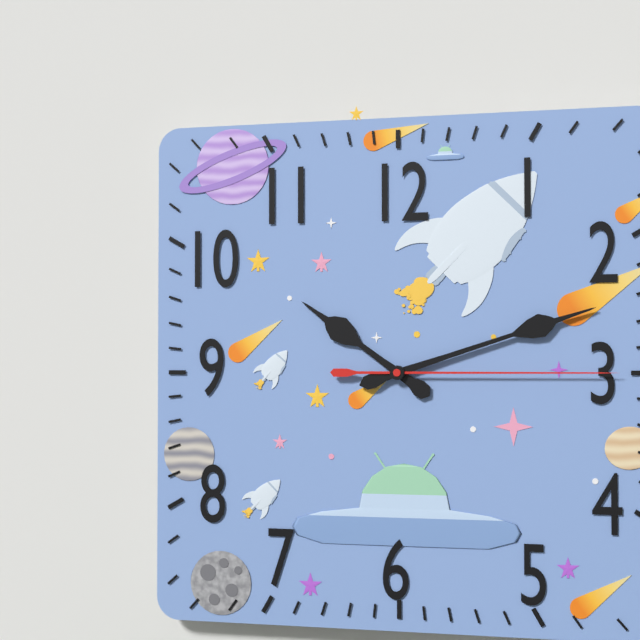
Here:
10,12,15
